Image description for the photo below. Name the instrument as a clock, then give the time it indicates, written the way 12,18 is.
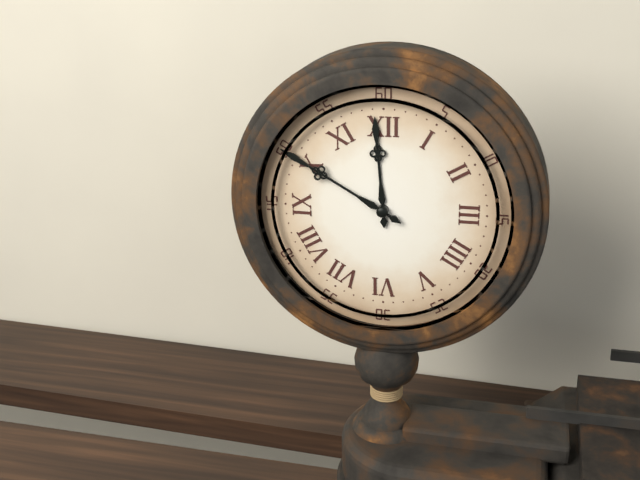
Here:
11,50
